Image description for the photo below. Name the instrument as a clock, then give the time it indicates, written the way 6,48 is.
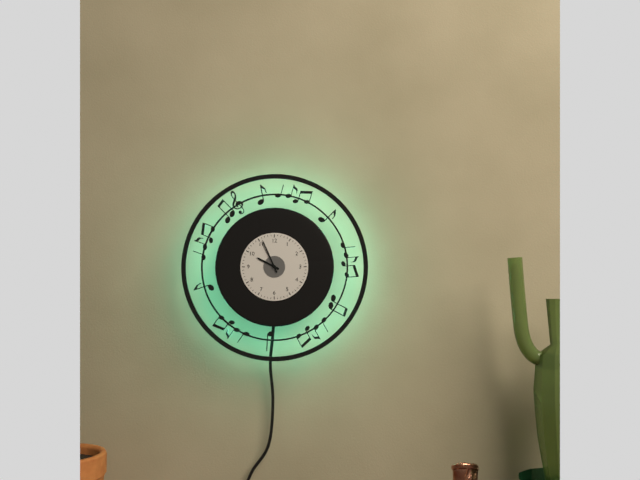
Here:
9,56
